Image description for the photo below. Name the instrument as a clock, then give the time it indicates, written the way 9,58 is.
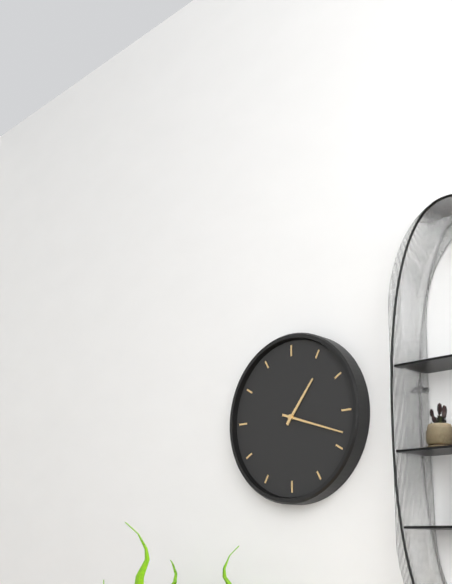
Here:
1,18
